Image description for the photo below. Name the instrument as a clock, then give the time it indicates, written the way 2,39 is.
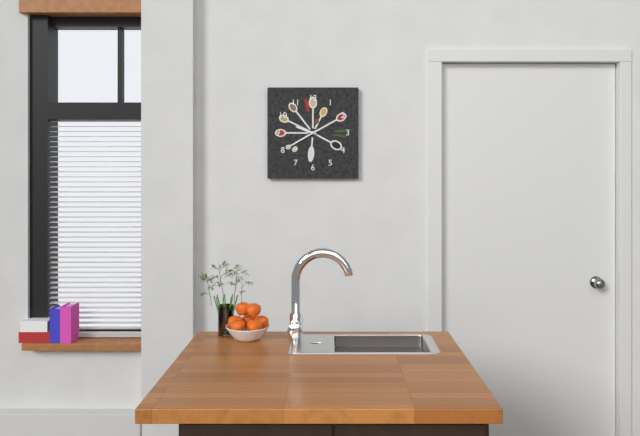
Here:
9,40
